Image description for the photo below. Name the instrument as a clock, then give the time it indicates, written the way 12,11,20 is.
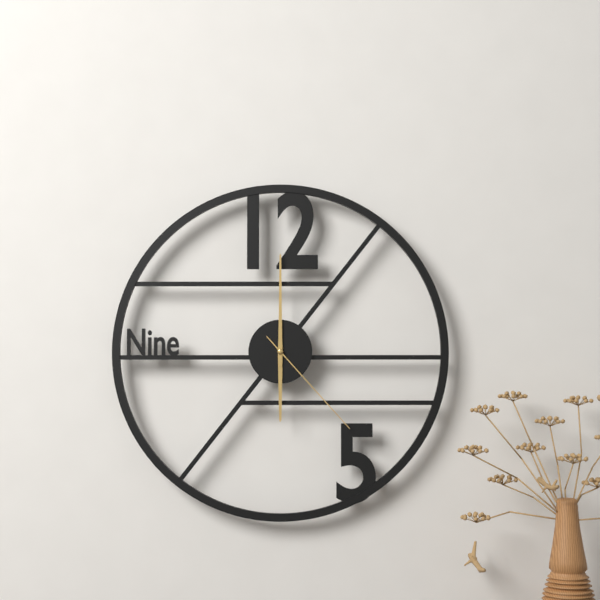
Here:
6,00,23
